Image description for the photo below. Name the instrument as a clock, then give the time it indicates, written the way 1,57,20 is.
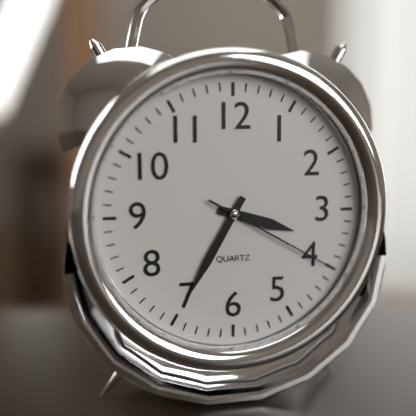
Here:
3,35,20
